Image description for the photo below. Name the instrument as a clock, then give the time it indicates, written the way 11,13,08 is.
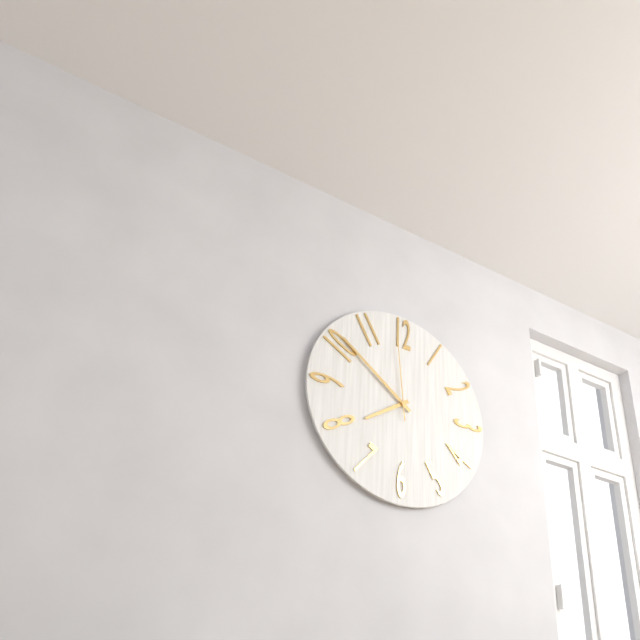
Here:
7,51,59
